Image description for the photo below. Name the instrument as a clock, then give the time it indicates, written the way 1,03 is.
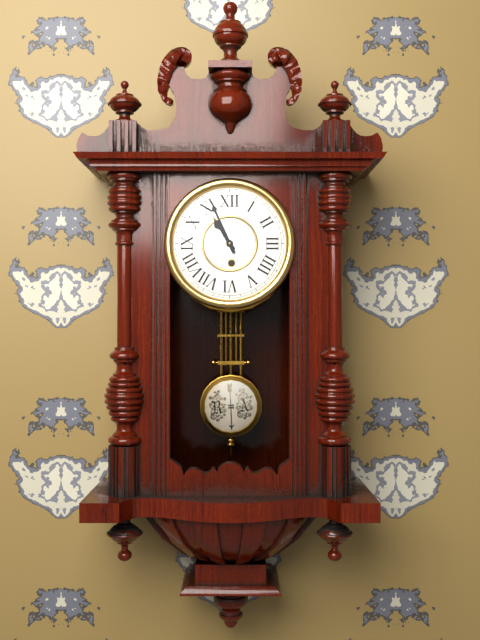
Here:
10,56
